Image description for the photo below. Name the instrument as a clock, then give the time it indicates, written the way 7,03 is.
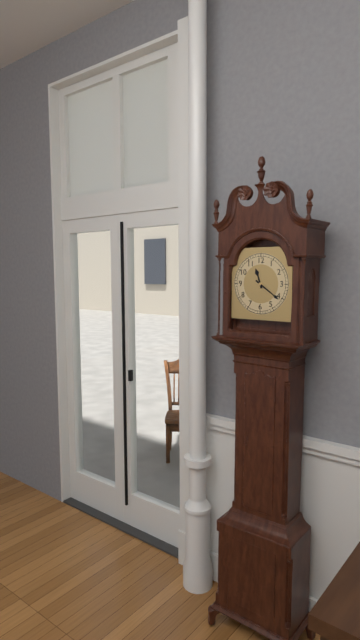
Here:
11,21
